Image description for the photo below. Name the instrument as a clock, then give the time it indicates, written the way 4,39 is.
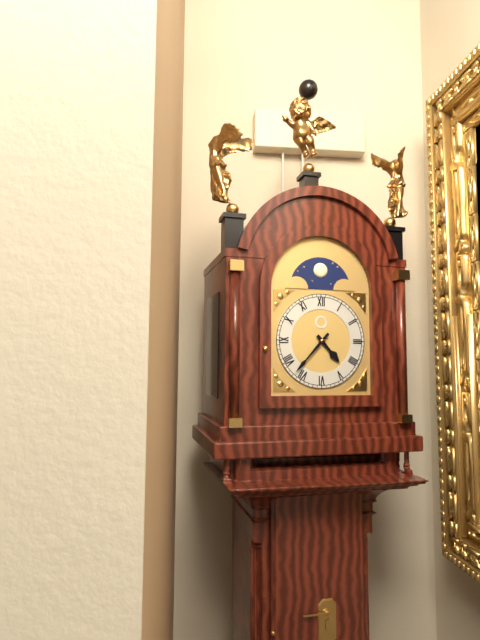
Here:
4,37
